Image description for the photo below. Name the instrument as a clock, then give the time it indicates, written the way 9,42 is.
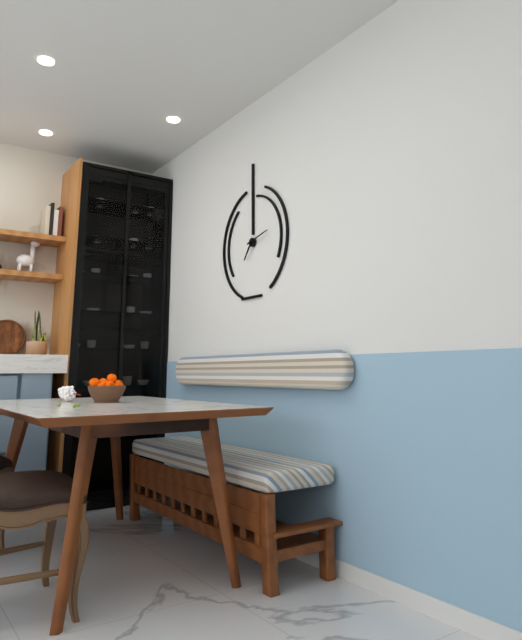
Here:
7,13
